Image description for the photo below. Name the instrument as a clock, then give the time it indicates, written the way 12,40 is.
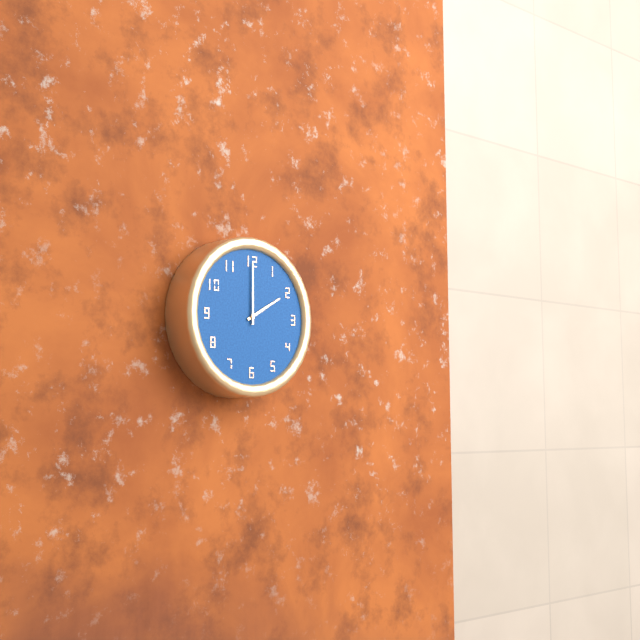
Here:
2,00
